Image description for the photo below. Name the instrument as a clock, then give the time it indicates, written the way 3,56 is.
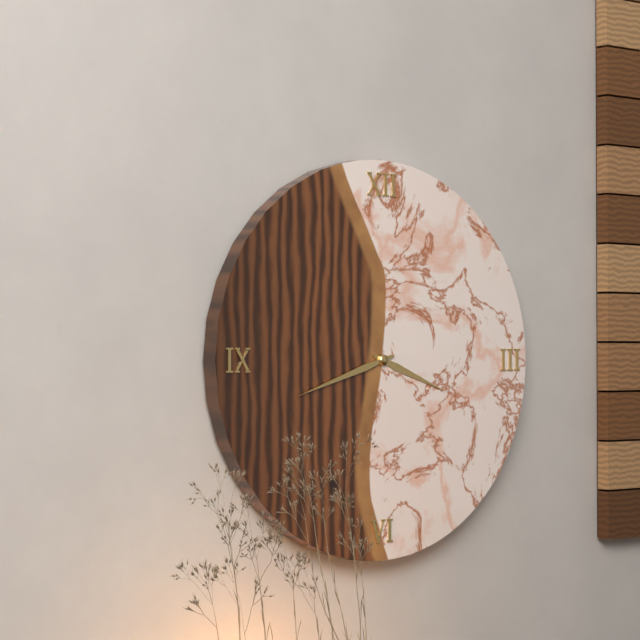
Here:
3,42
